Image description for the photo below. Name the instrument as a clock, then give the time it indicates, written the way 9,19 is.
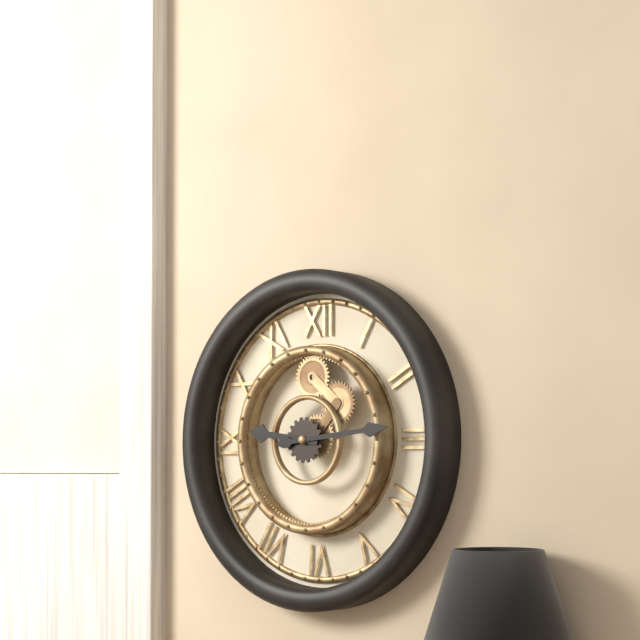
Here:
9,14
